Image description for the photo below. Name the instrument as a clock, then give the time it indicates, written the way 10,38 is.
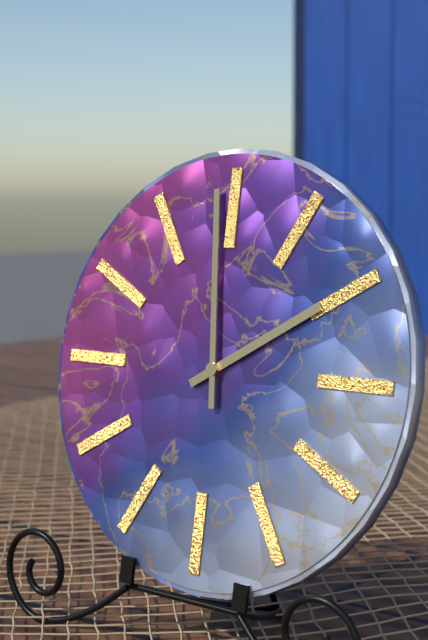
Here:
1,59
